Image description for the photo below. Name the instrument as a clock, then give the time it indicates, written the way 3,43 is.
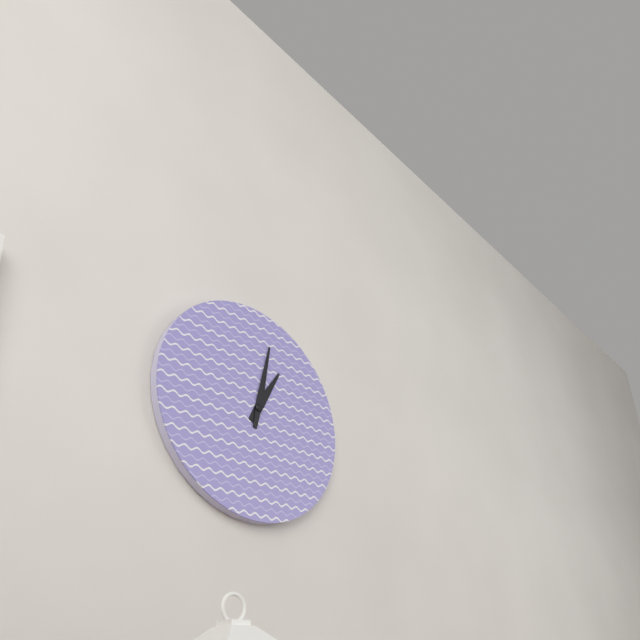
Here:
1,02
